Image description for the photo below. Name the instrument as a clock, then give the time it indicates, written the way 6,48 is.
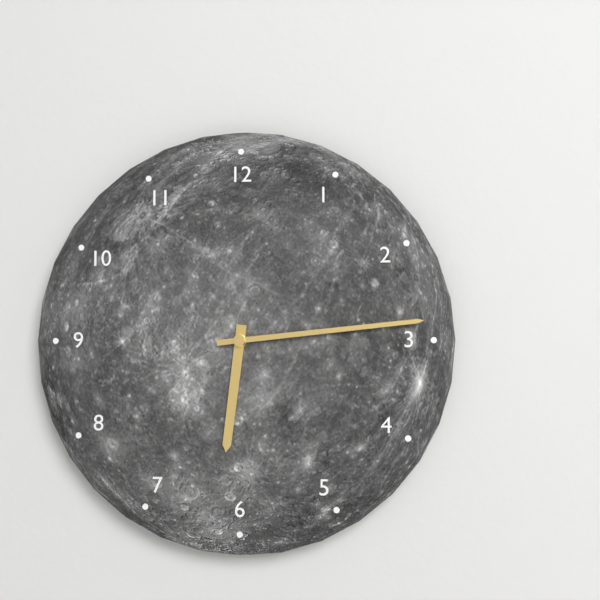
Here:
6,14
